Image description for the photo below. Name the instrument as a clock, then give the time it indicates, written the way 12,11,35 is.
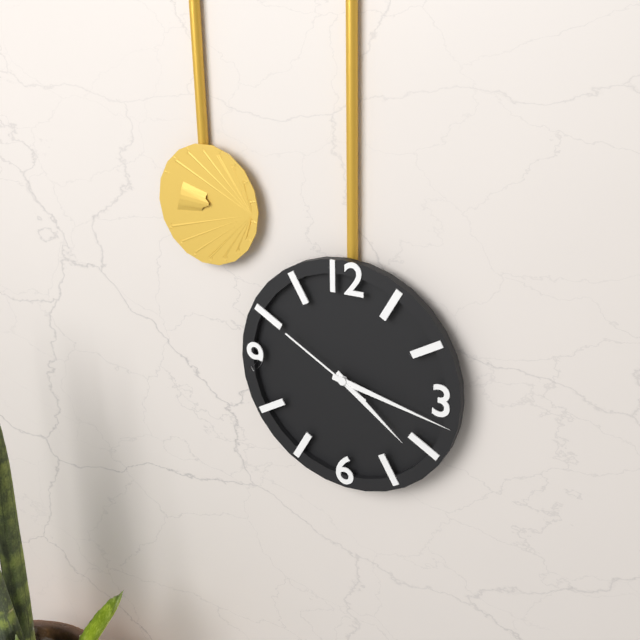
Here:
4,17,50
